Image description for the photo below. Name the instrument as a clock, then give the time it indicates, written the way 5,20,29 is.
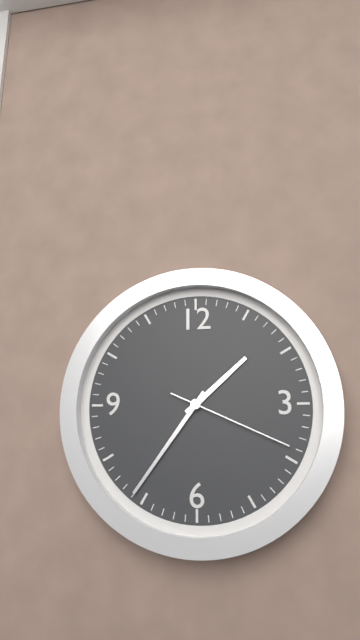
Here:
1,36,19
